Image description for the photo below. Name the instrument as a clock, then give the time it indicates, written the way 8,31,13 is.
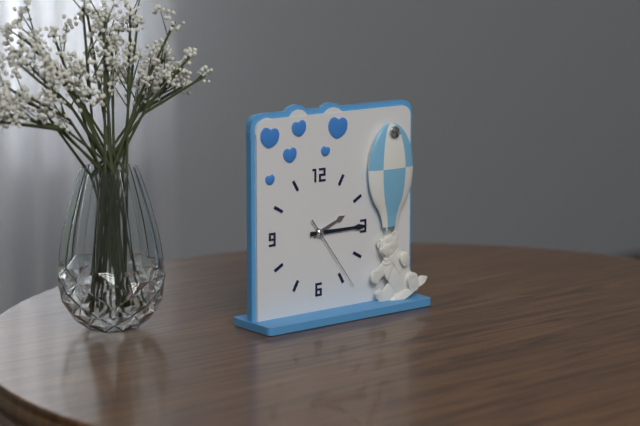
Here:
2,15,24
